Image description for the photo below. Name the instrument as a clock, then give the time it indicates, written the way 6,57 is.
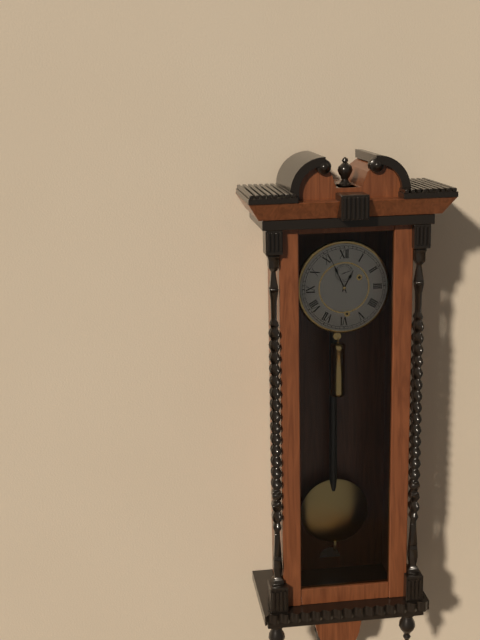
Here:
12,56
